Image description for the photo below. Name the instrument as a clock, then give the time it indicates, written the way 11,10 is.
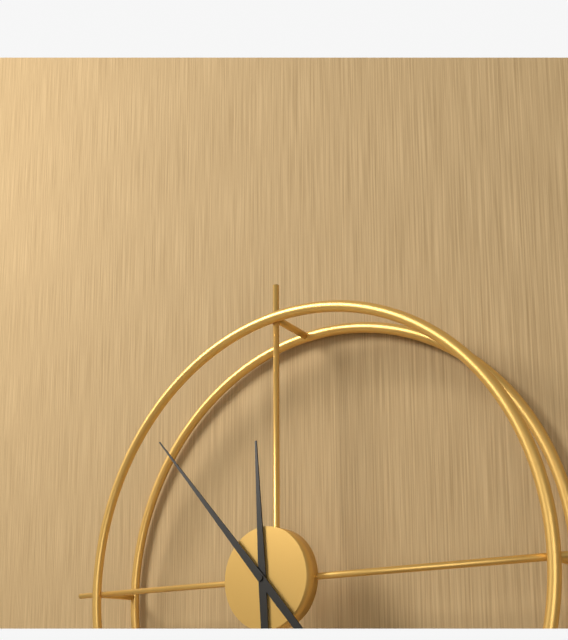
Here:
11,53
